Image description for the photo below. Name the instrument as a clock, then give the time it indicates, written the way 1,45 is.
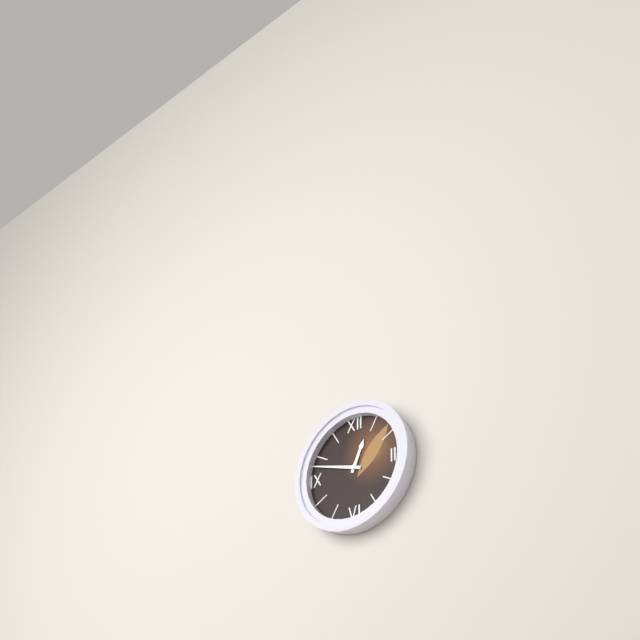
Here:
12,48
